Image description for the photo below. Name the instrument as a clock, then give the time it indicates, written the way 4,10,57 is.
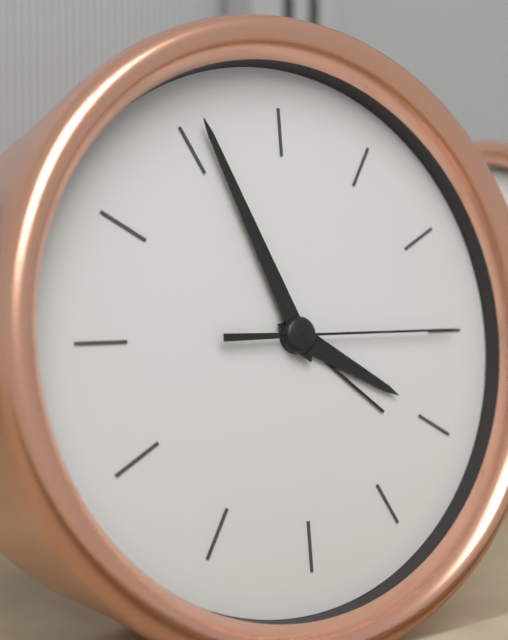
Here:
3,56,15
